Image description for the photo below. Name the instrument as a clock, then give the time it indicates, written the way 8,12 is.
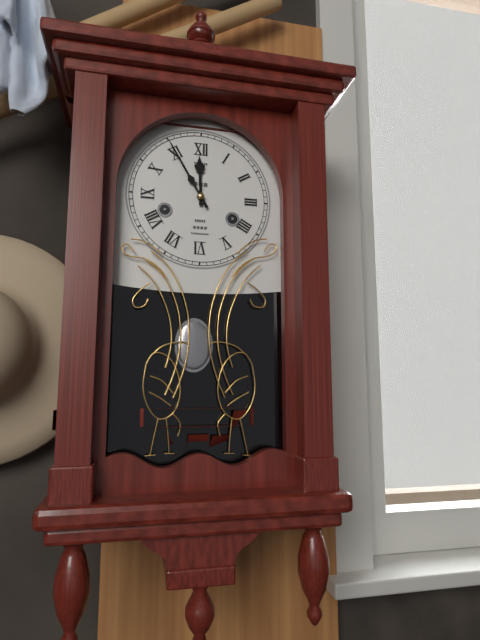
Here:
11,55
